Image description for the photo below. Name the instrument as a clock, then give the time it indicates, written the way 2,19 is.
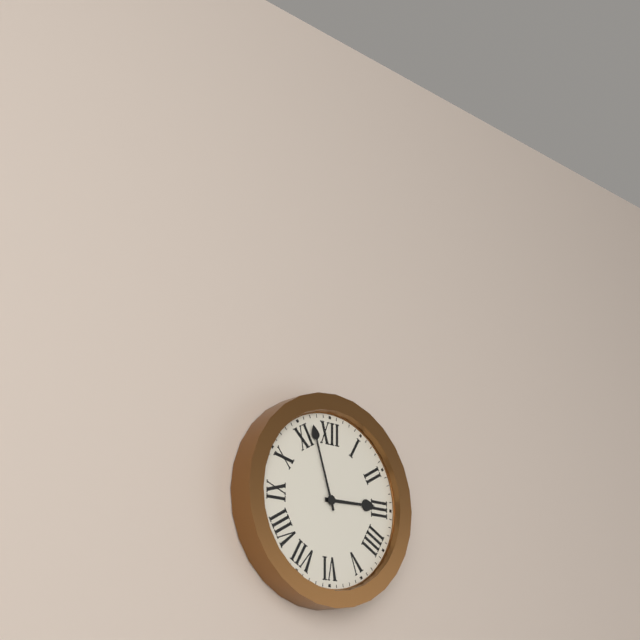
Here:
2,57
